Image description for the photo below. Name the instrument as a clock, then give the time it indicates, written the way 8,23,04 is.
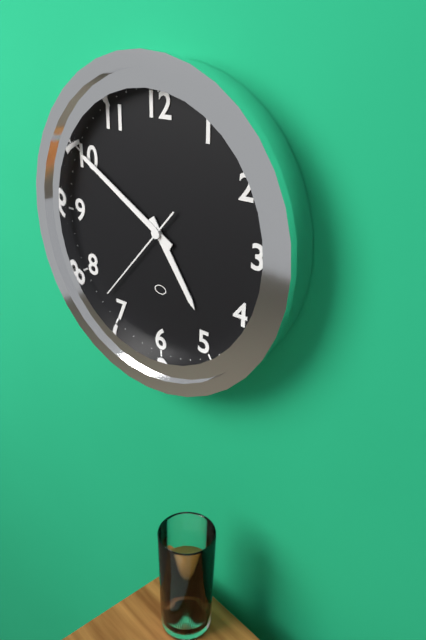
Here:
4,50,37
